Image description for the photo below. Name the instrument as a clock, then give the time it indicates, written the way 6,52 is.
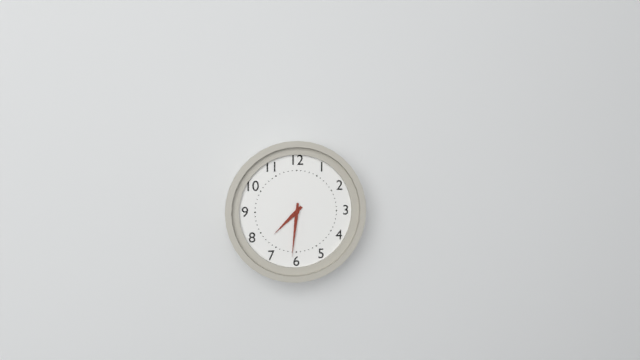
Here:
7,31
